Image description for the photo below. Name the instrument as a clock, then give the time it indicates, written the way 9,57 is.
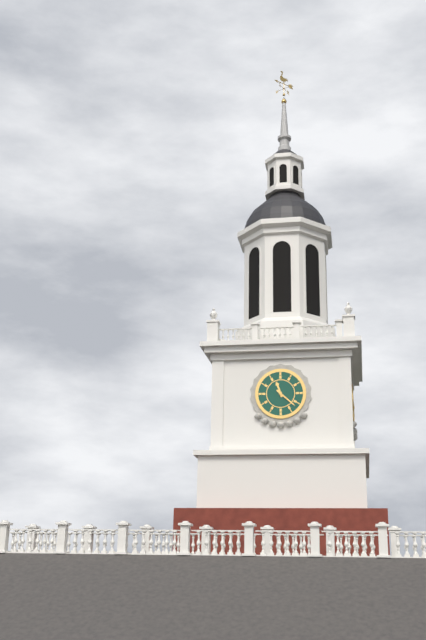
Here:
11,22
